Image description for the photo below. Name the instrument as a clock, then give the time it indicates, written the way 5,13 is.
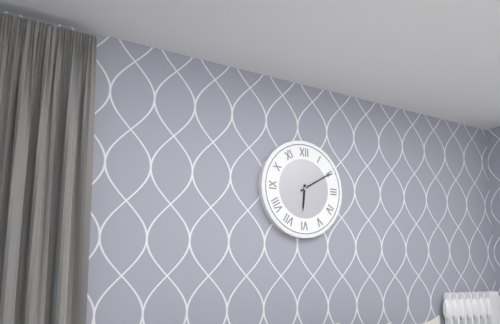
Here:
6,10
